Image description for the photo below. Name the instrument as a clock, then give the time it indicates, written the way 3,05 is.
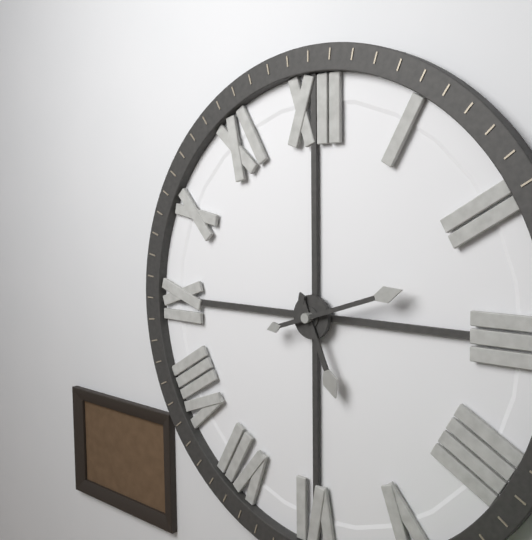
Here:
5,12
